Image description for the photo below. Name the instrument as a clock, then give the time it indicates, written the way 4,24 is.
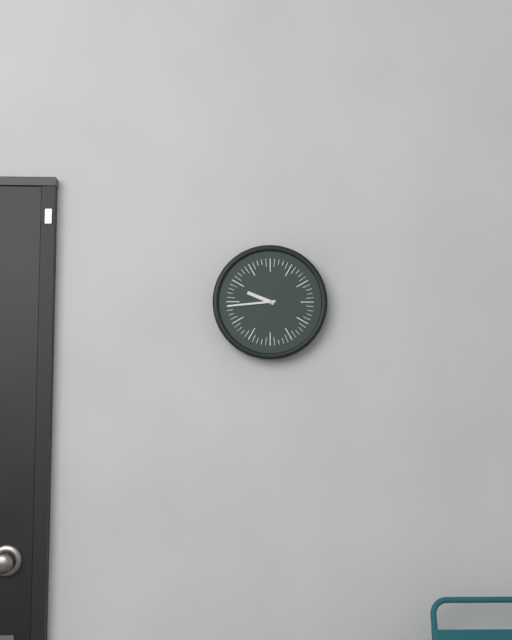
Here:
9,44
